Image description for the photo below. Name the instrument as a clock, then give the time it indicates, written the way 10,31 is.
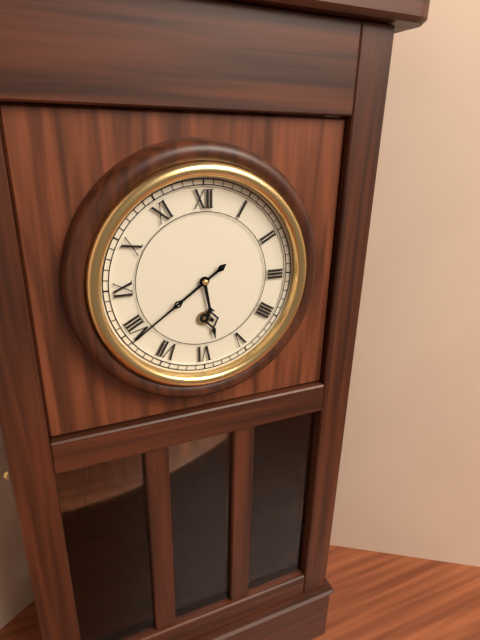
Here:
5,39
